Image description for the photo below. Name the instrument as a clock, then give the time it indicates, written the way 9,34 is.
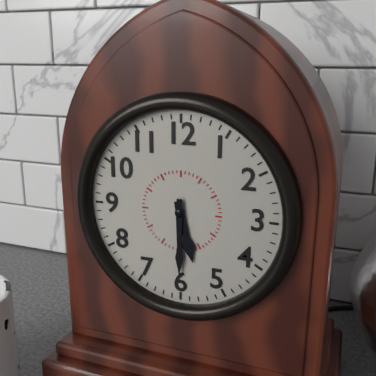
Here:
5,30
